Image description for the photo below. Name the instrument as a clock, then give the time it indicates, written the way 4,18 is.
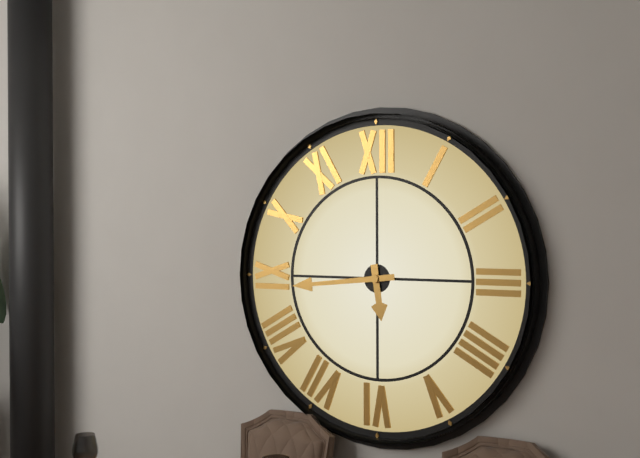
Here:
5,44
